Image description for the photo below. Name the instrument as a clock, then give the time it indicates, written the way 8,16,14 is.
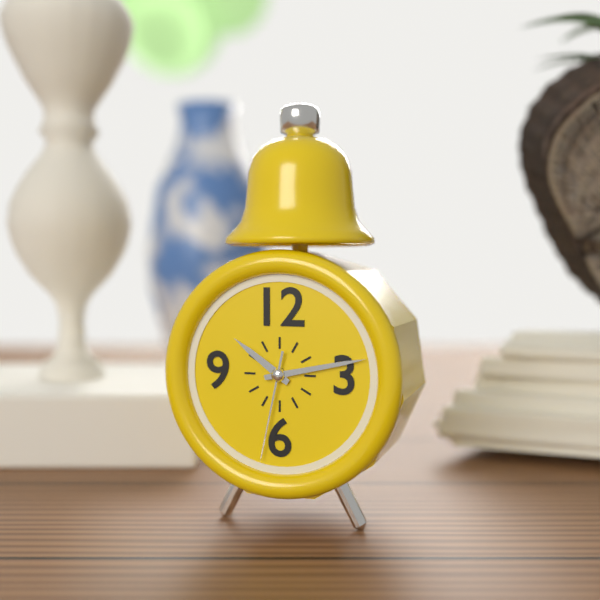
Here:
10,13,32
